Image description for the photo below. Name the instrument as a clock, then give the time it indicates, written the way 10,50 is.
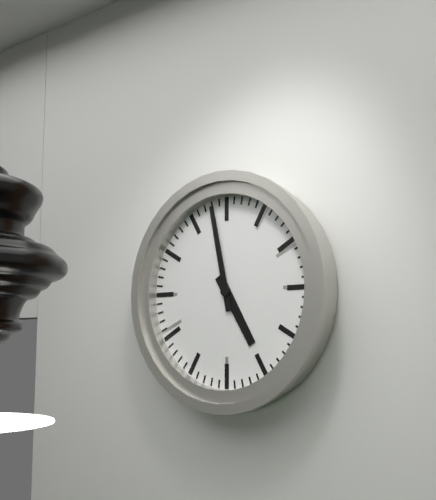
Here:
4,58
